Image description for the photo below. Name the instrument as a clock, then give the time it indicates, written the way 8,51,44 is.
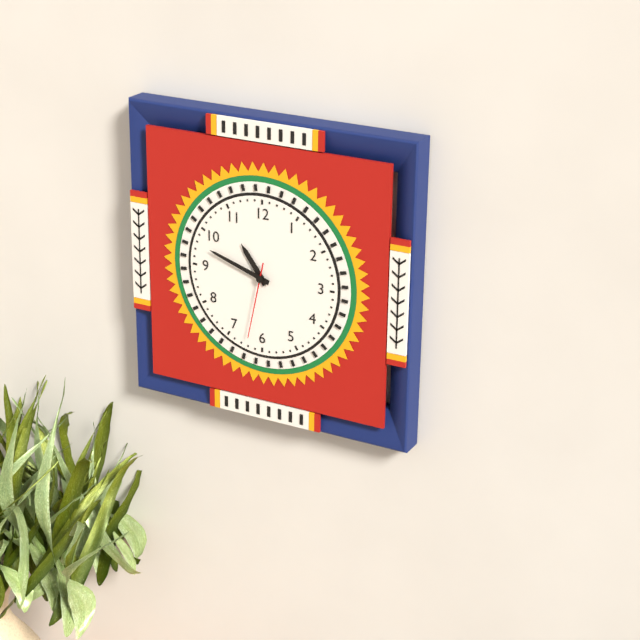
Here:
10,48,32
